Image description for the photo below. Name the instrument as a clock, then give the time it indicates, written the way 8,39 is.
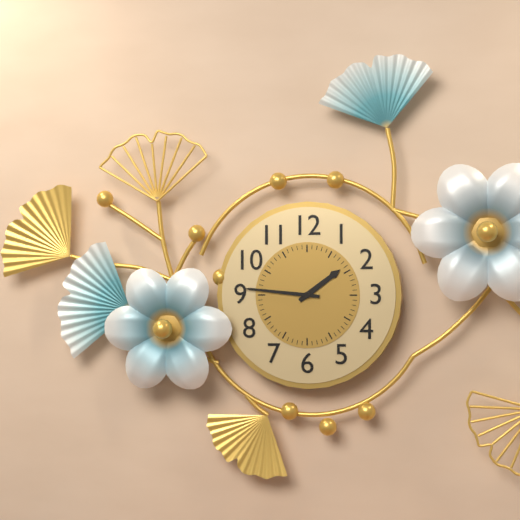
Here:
1,46
